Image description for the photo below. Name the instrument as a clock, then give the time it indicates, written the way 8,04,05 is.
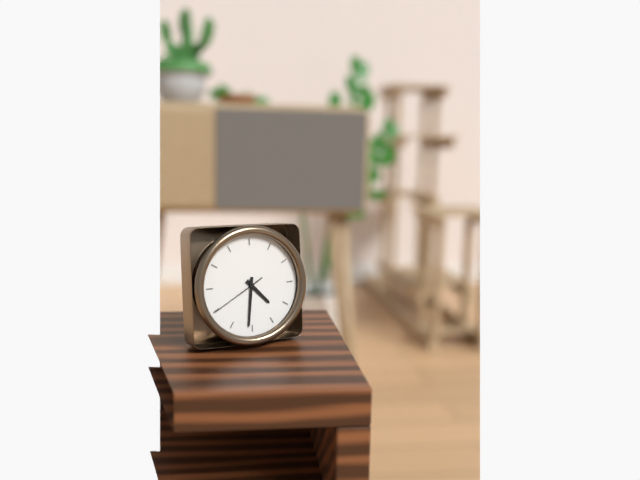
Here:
4,31,40
